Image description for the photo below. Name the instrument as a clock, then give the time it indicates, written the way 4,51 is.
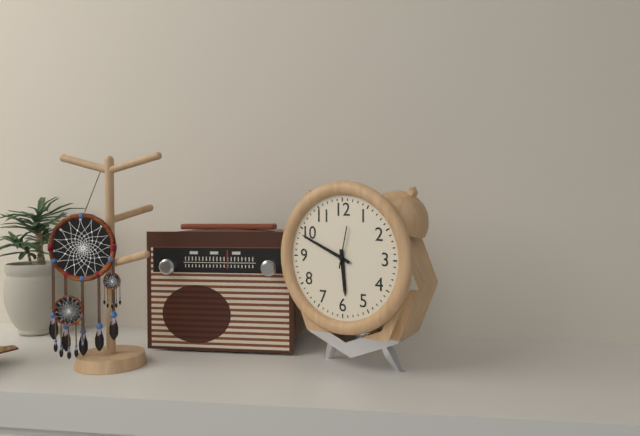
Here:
5,49
